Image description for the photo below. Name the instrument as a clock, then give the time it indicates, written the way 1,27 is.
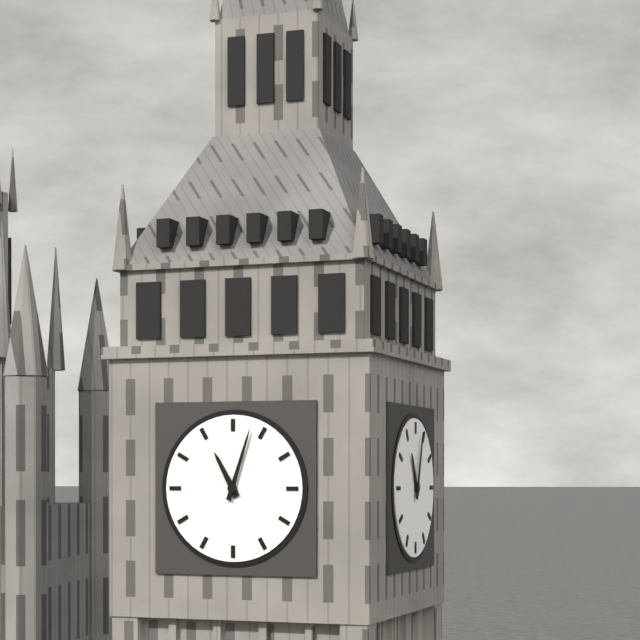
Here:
11,03
